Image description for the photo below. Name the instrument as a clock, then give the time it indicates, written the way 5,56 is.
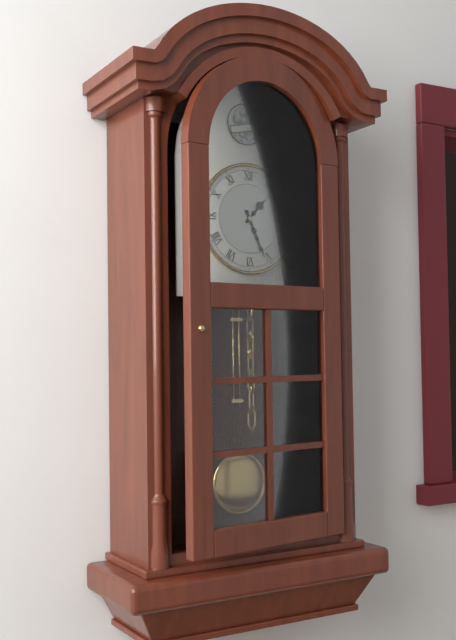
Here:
1,26
